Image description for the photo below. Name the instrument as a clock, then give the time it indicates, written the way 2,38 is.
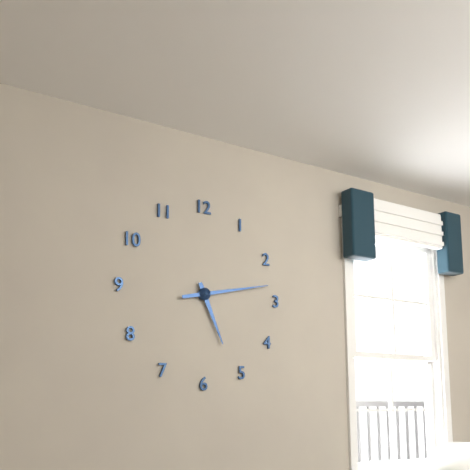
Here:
5,13
